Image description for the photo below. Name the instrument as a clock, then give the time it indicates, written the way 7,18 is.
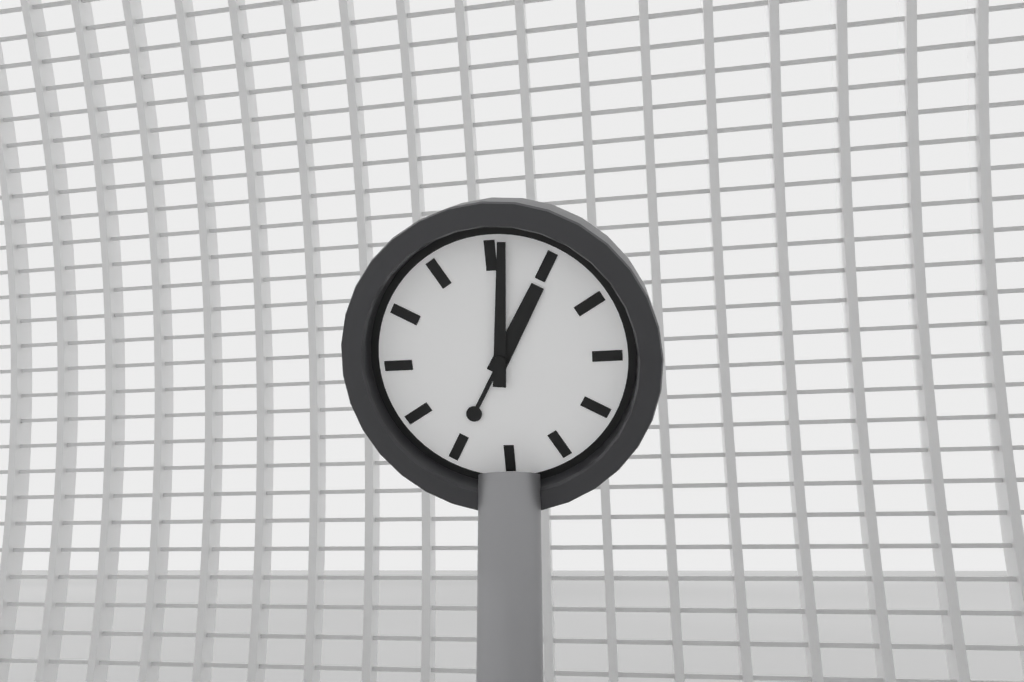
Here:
1,01
